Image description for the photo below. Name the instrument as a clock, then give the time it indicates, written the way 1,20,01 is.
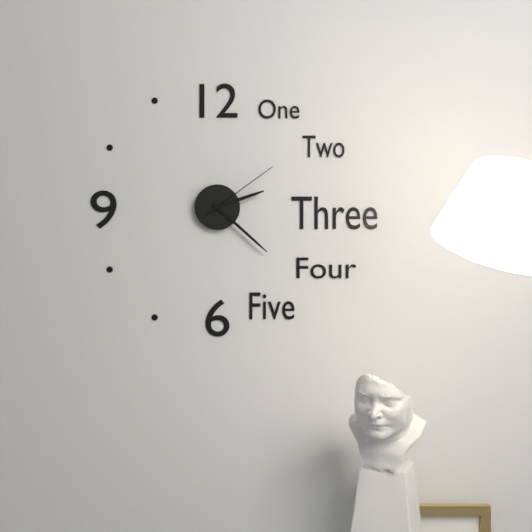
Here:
2,22,09
